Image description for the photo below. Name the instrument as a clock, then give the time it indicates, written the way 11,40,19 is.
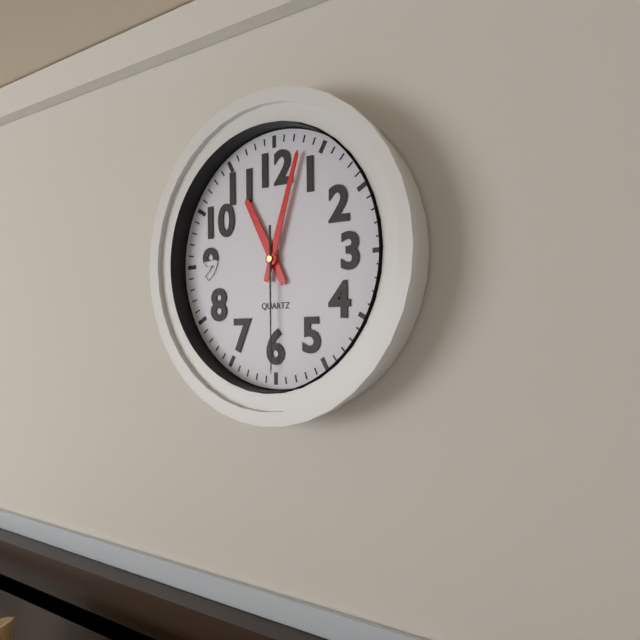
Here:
11,03,30
